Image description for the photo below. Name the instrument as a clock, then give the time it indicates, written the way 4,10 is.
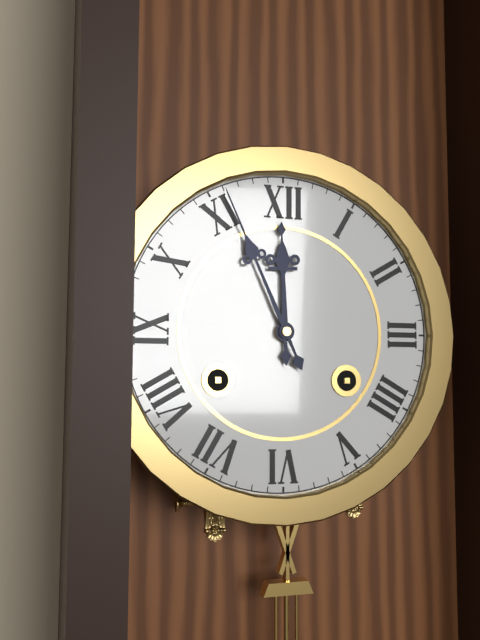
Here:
11,56
